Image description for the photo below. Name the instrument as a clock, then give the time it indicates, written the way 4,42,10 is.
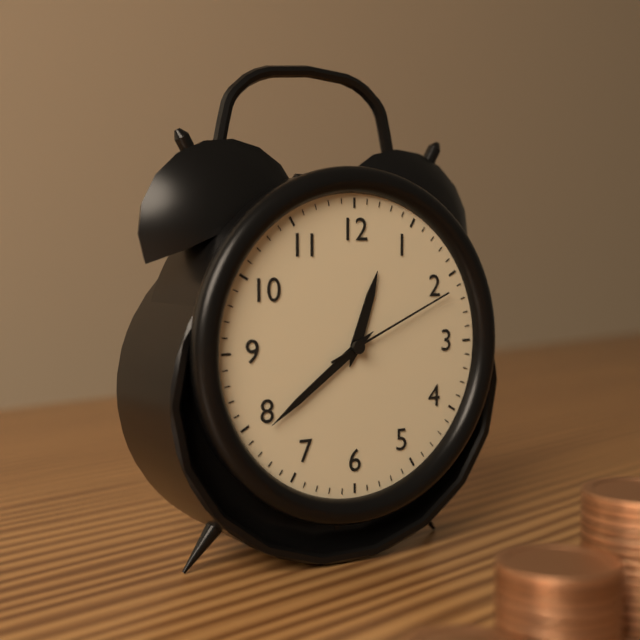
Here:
12,39,11
